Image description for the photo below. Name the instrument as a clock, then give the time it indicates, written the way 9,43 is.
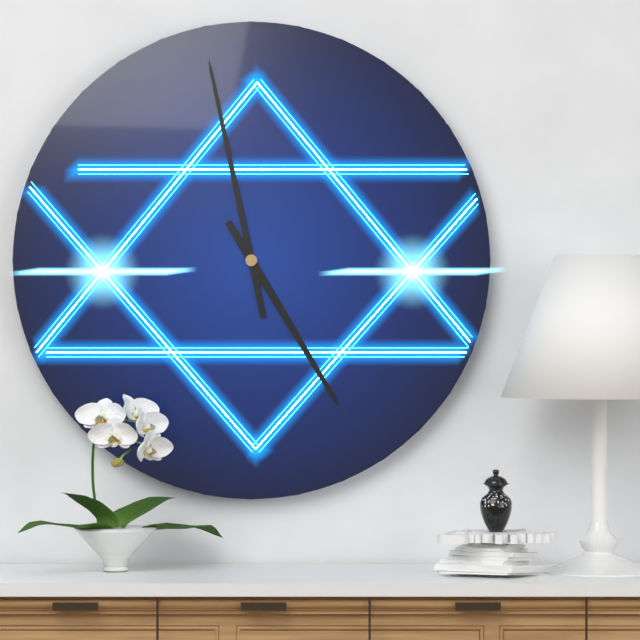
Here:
4,58
